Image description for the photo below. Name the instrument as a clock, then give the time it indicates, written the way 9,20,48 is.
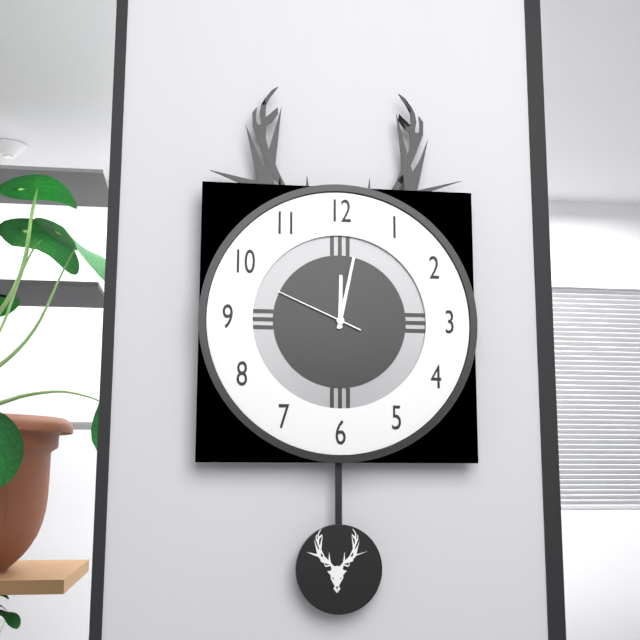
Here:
12,02,49
